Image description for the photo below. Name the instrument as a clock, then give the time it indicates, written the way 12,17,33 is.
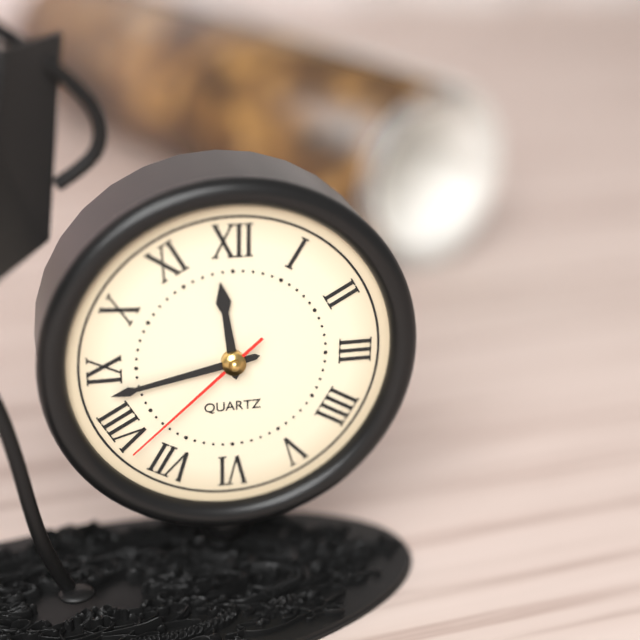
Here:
11,43,38
